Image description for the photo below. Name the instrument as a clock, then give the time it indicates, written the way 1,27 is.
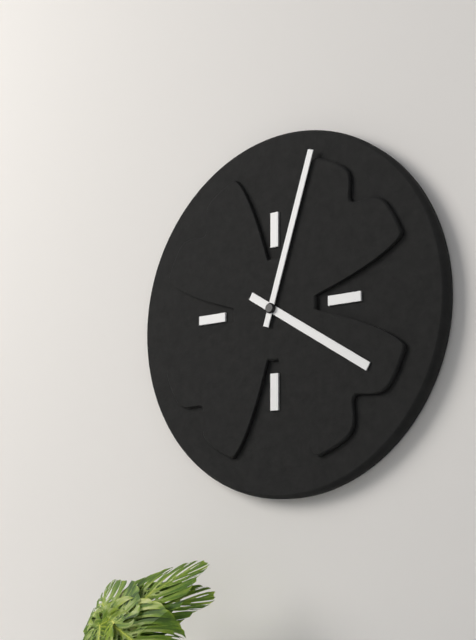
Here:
4,03
